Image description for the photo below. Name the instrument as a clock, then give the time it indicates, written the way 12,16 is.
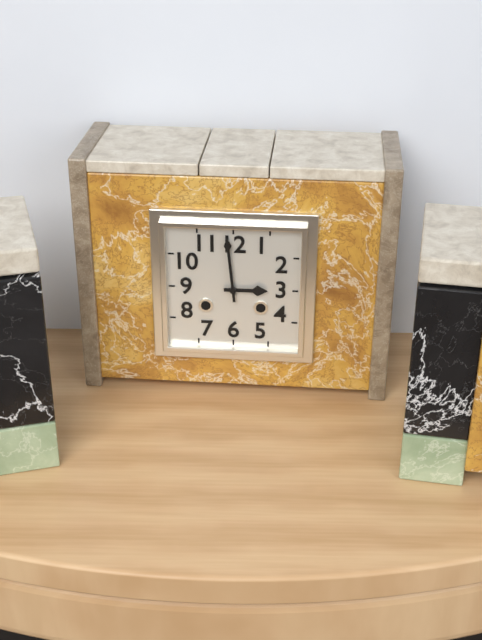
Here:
2,59
